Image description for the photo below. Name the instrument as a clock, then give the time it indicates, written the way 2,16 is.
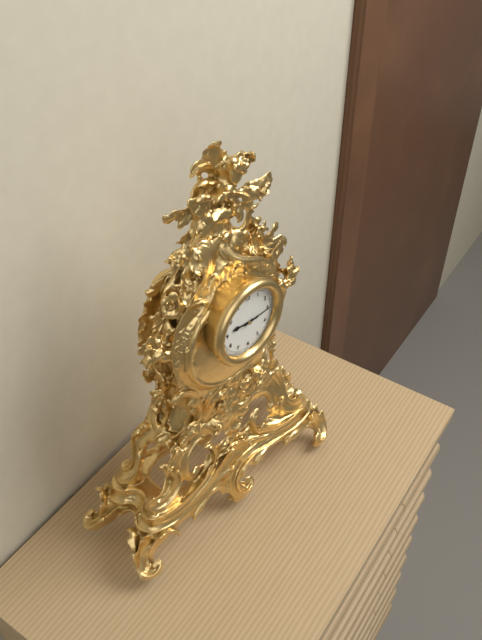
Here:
9,15
